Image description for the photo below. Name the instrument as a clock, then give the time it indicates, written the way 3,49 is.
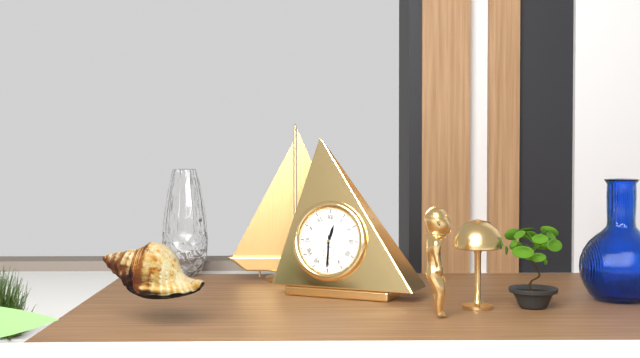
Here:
12,30
